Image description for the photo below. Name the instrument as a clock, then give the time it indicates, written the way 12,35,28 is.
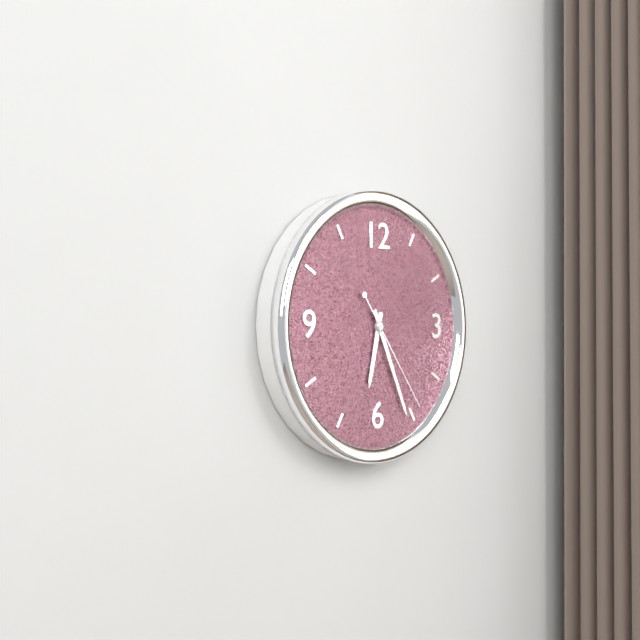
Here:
6,26,24
